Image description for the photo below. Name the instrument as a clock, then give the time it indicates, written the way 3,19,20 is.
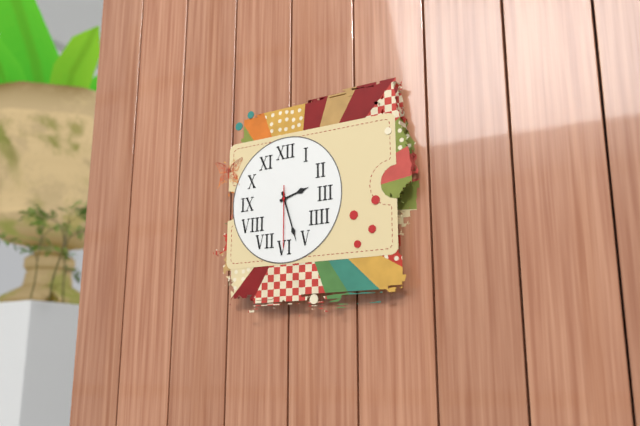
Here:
2,27,30
